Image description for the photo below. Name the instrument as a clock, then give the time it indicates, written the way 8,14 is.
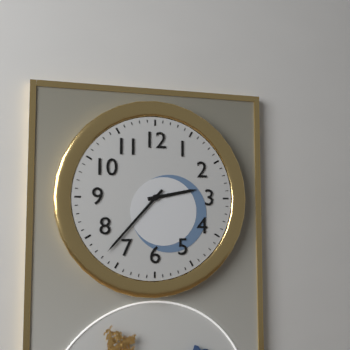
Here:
2,37
